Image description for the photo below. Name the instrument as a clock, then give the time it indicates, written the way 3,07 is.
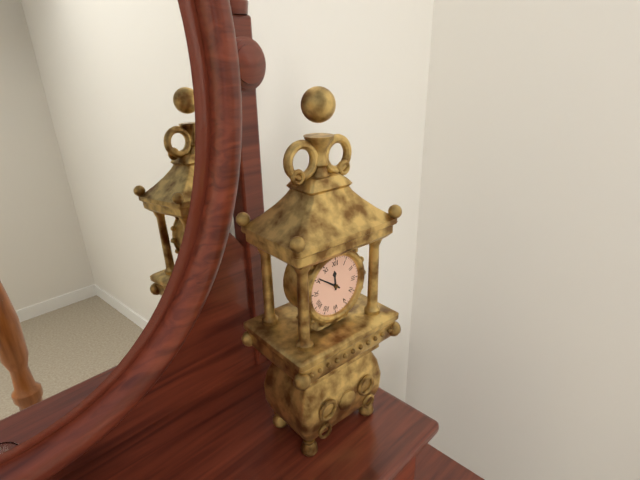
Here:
11,51
